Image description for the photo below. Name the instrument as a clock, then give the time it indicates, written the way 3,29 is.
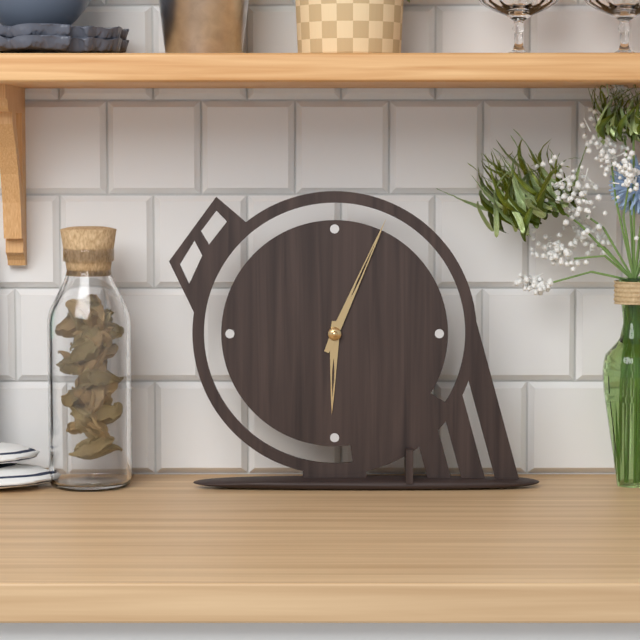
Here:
6,04
